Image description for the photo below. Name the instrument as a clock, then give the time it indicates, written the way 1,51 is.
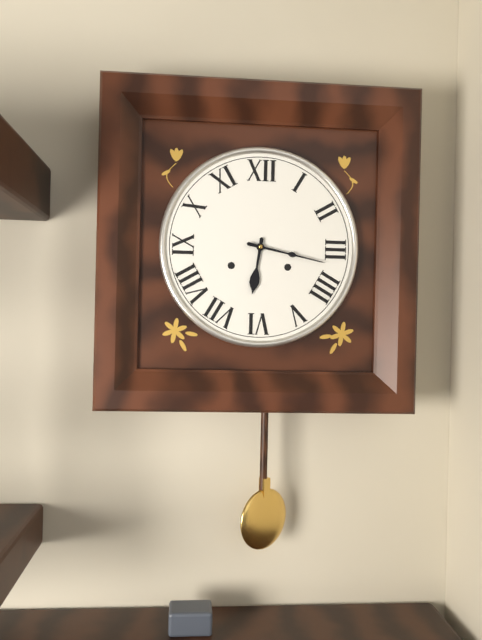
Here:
6,17
